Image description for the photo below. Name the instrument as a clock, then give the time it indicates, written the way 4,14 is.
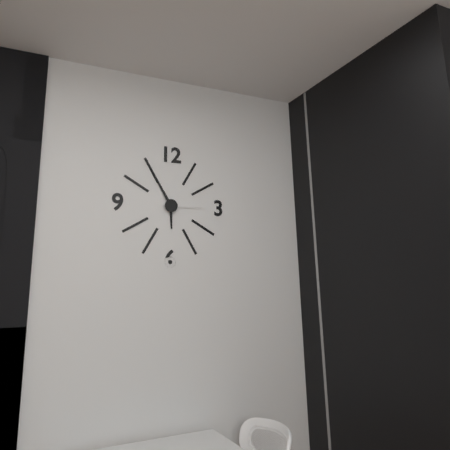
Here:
5,55
